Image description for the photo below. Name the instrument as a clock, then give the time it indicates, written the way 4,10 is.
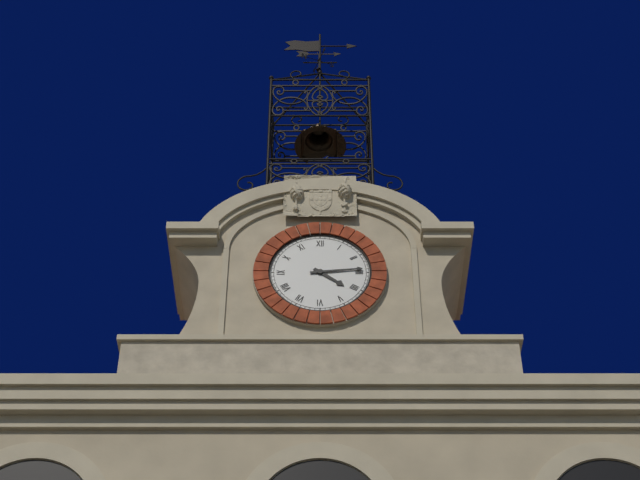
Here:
4,14
